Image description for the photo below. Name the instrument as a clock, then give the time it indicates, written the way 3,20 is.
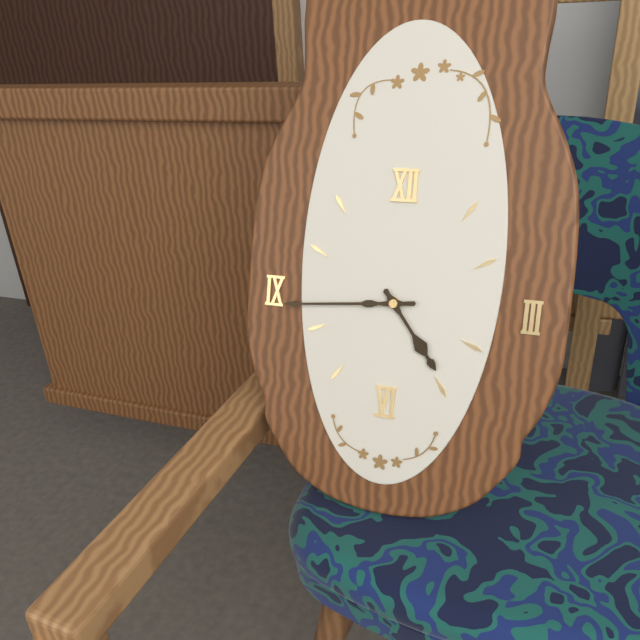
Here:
4,44
